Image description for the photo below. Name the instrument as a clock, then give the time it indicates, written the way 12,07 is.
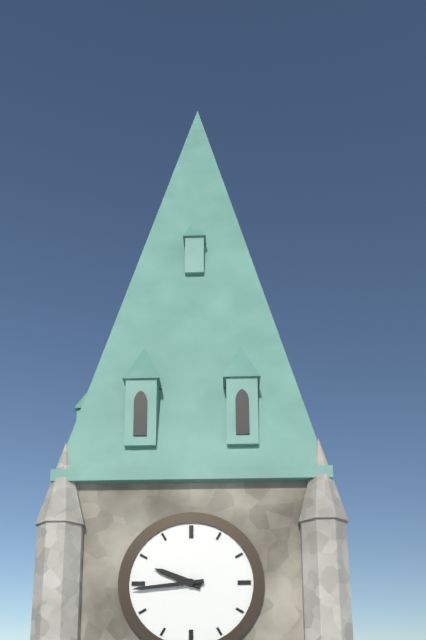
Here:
9,44
